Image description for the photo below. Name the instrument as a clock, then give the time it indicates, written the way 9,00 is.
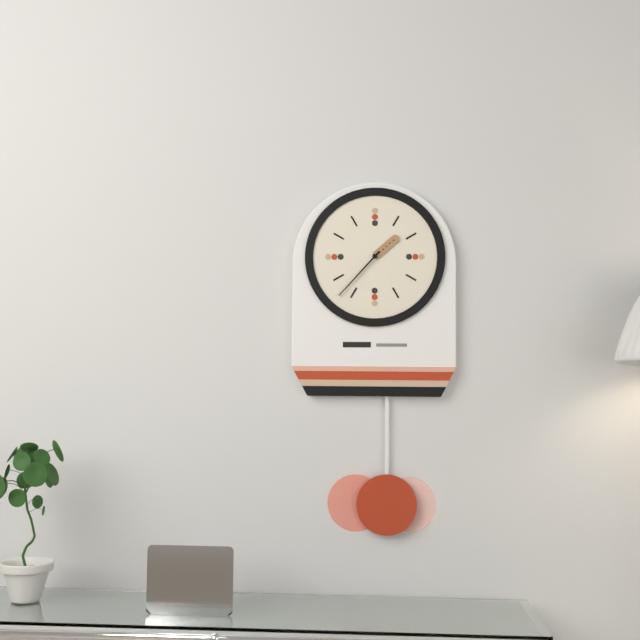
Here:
1,37
